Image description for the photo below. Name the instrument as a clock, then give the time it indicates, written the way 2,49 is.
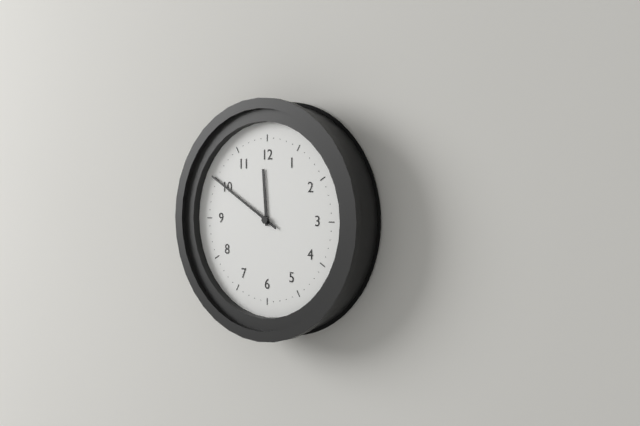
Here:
11,50
